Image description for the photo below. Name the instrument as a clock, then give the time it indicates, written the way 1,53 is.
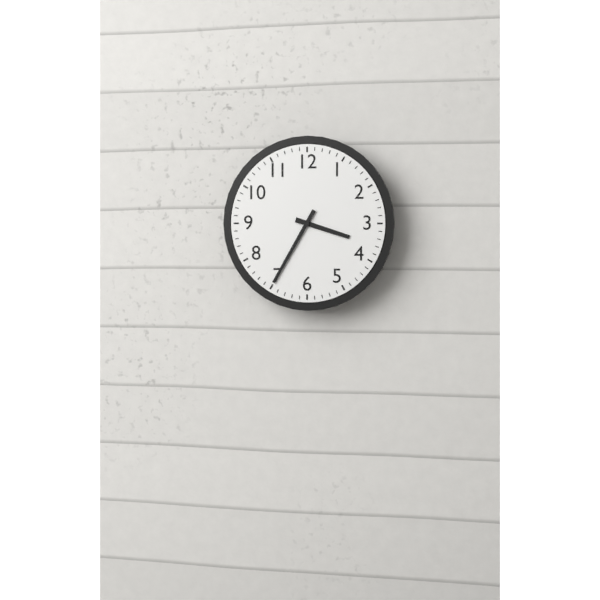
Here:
3,35
